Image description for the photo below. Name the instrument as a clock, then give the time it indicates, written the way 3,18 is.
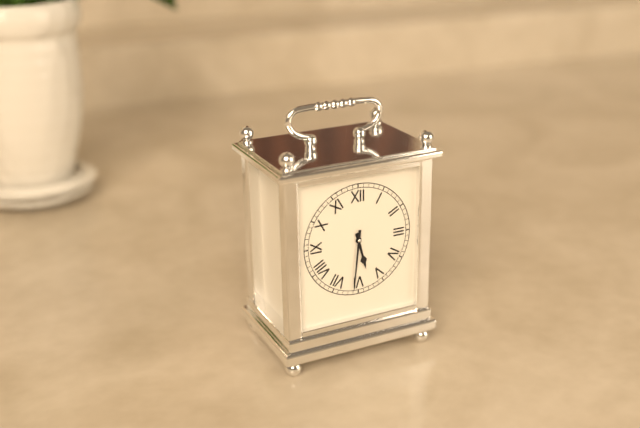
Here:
5,31
